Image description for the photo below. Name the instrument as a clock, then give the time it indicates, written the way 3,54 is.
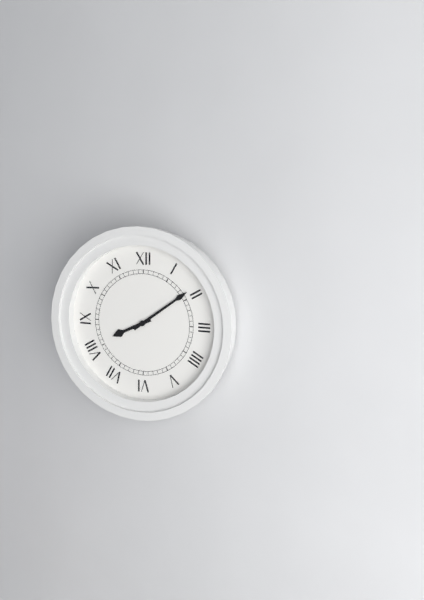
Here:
8,09
